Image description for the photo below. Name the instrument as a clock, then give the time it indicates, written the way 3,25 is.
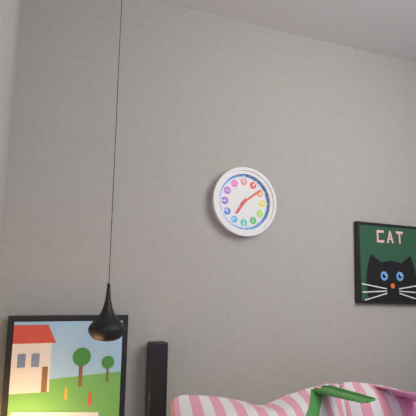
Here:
7,09
